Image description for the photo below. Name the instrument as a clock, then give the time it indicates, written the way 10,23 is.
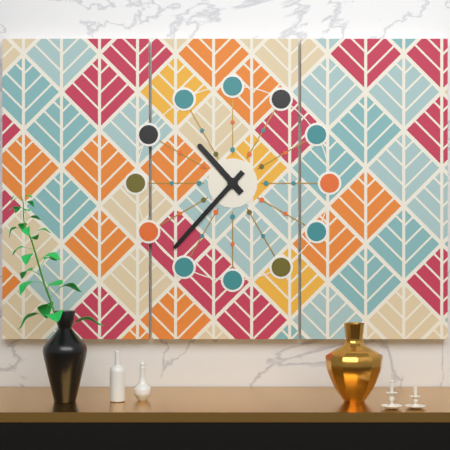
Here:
10,37
